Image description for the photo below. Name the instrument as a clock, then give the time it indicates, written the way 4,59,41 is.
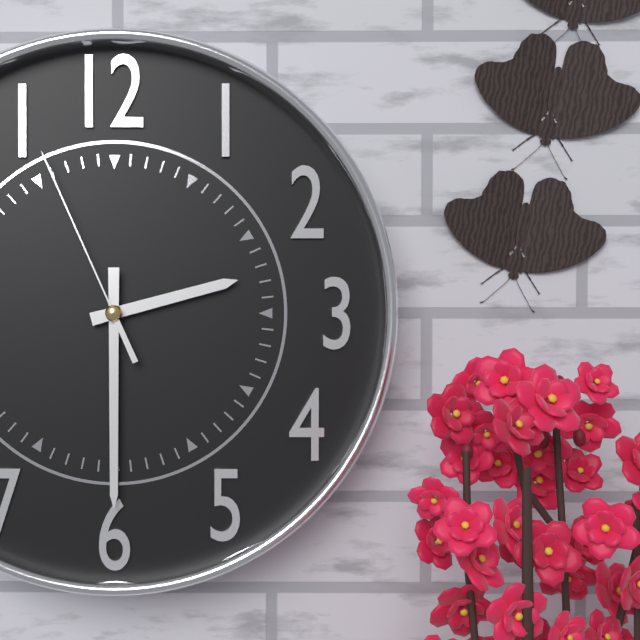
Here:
2,30,56
